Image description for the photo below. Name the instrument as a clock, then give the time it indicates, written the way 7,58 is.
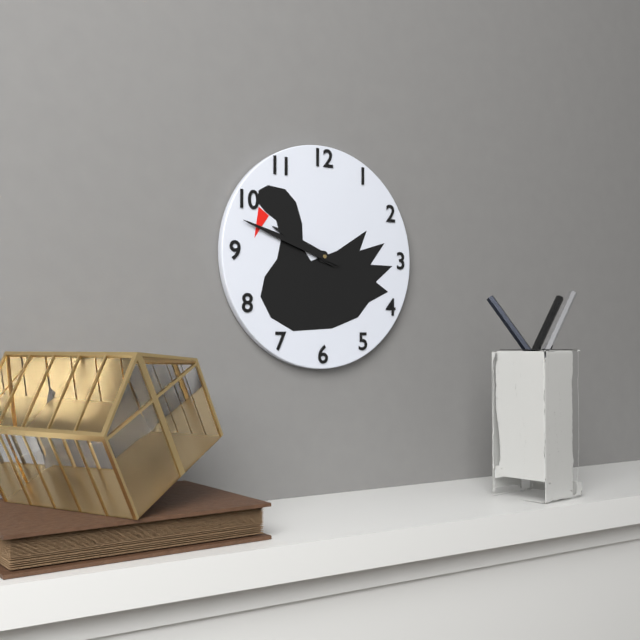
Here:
9,48
